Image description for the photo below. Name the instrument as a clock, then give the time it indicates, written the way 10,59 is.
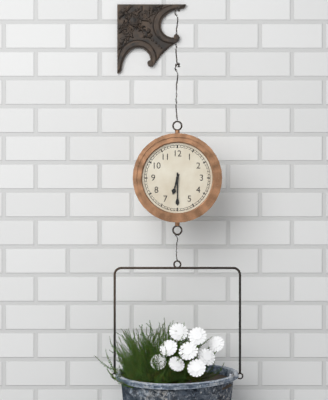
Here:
6,30
